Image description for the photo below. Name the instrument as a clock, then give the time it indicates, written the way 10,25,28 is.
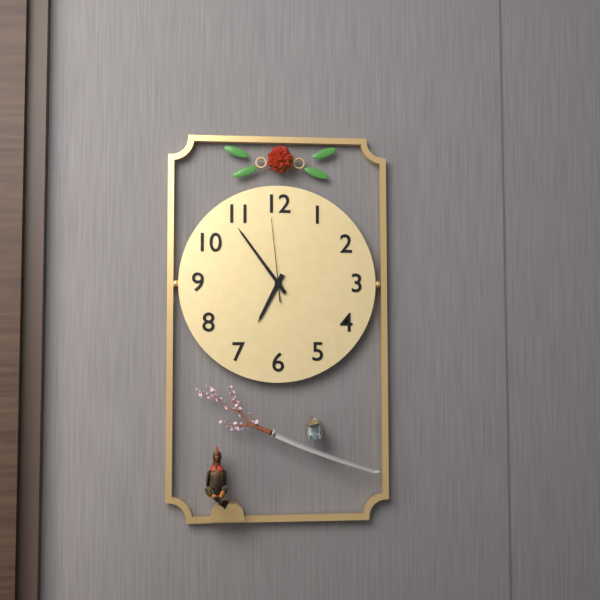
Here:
6,54,59
